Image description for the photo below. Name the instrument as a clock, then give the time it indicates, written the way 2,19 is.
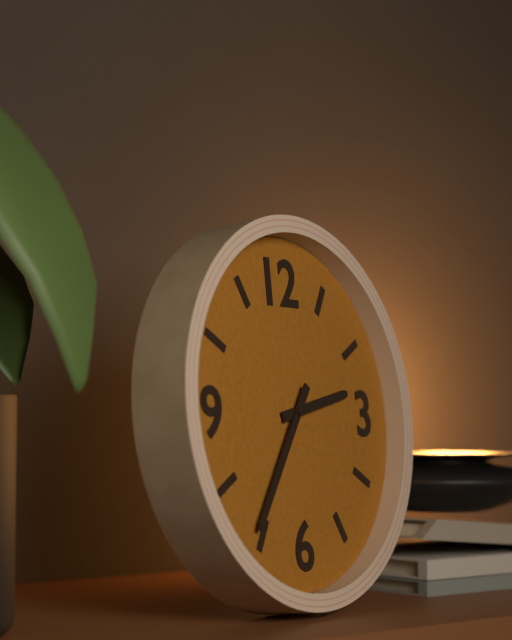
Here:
2,36
